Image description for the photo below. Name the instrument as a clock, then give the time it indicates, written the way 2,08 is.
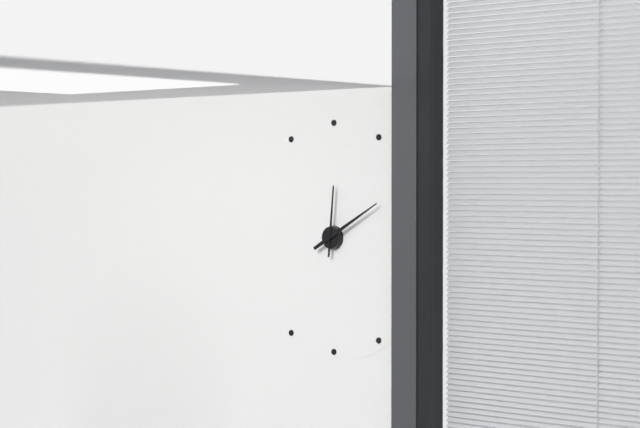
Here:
12,10
